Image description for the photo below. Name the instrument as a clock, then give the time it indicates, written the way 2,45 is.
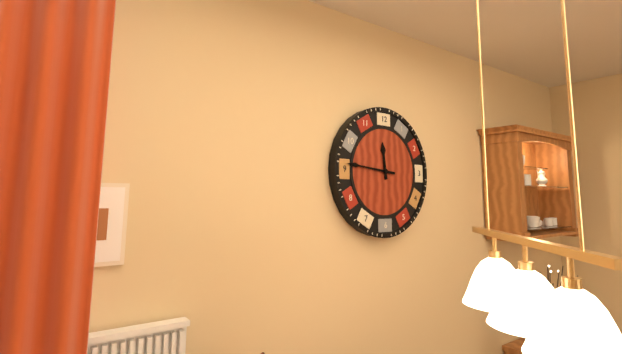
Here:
11,46
